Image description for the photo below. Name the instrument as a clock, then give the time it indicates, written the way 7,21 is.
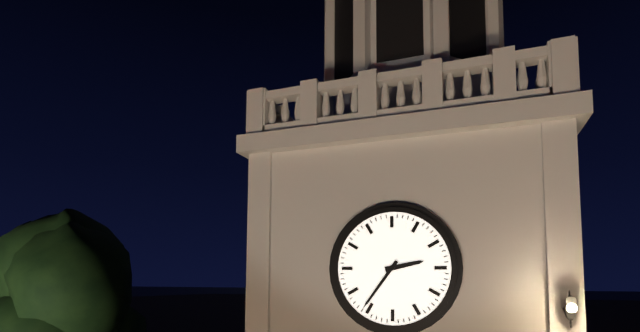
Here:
2,36
